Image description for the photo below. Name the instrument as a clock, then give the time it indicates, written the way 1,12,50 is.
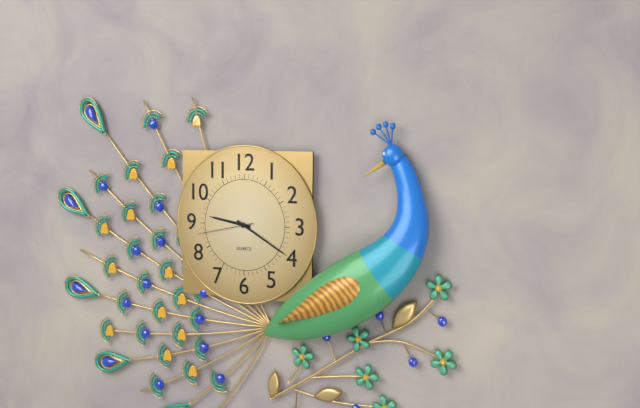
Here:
9,20,43
